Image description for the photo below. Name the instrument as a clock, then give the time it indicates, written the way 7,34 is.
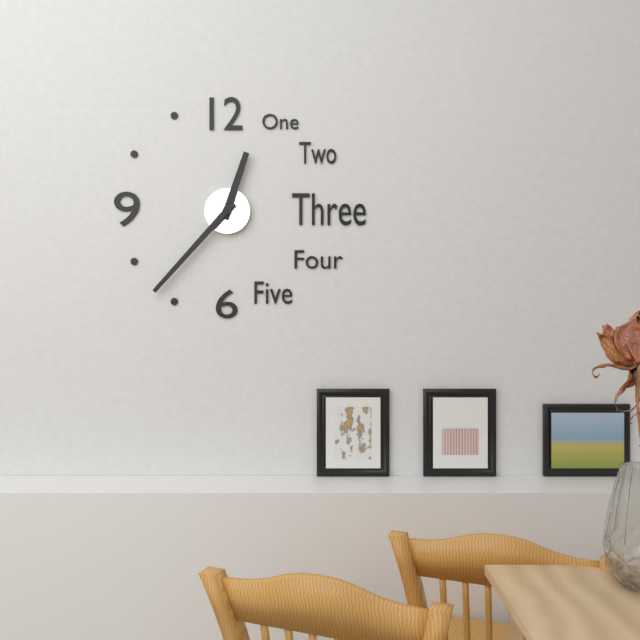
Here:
12,37
